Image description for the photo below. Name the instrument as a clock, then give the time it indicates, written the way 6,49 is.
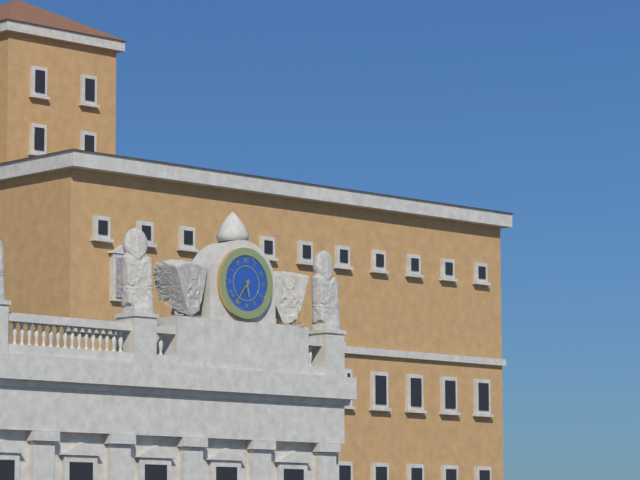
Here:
5,36
